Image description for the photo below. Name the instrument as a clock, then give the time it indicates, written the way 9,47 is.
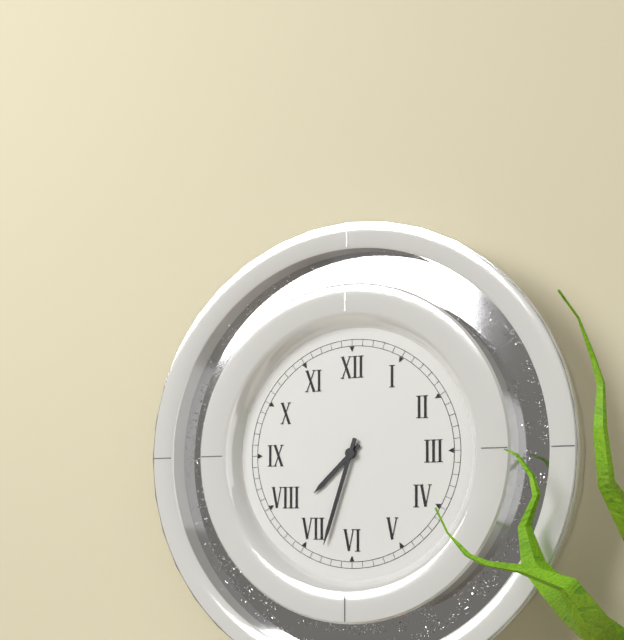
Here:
7,33
